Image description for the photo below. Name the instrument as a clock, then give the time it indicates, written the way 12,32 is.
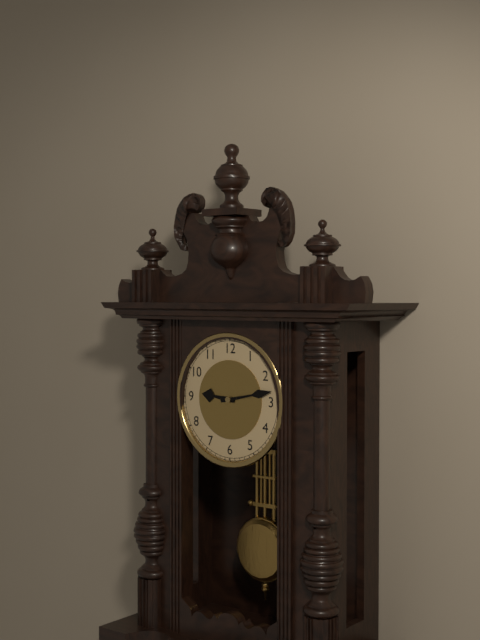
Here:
9,13
